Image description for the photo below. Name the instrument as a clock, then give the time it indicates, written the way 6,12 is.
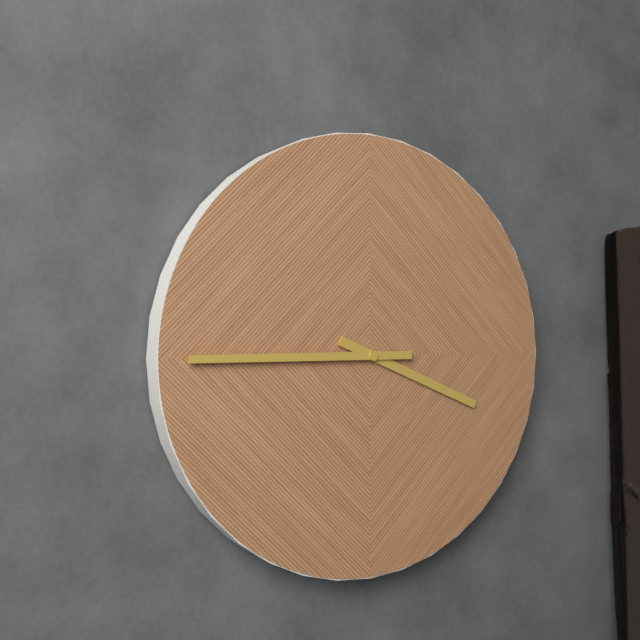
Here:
3,45
